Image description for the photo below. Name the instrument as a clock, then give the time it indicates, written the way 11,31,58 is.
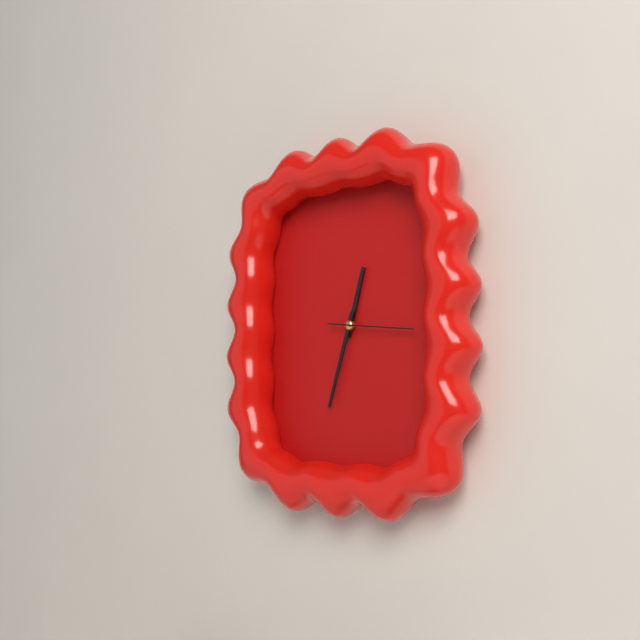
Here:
12,33,16
